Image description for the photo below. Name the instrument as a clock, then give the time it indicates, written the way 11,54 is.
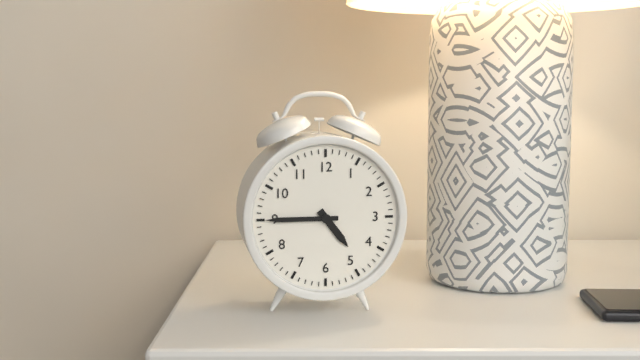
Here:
4,45
